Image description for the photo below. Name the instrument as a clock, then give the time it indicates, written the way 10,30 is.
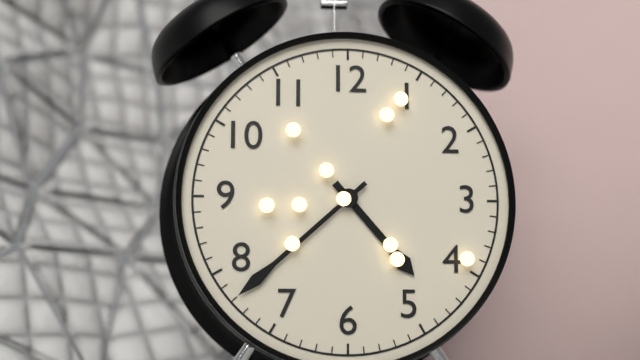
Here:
4,38
